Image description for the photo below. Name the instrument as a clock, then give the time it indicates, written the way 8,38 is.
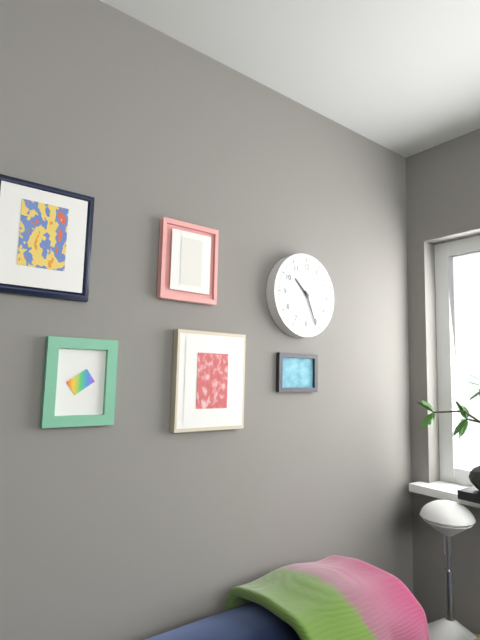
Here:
10,26
